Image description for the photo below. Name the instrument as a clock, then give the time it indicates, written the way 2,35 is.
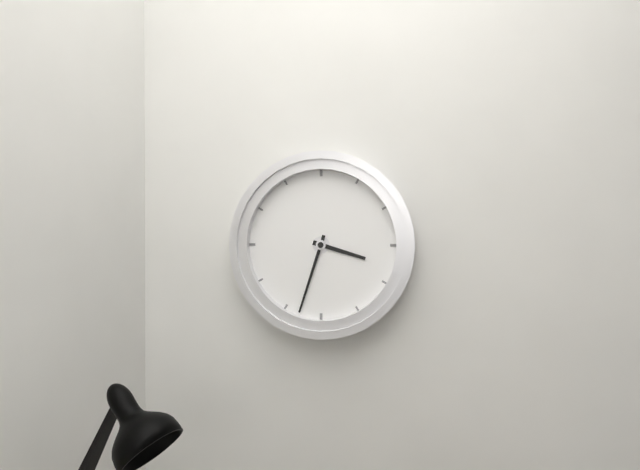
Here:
3,33
